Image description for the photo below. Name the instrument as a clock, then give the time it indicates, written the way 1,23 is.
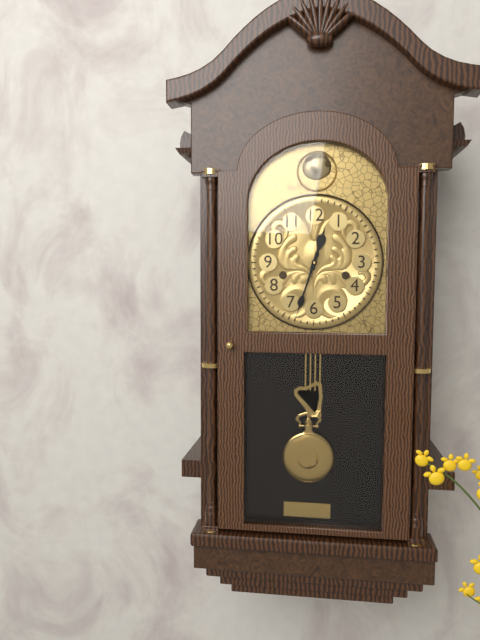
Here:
12,33
